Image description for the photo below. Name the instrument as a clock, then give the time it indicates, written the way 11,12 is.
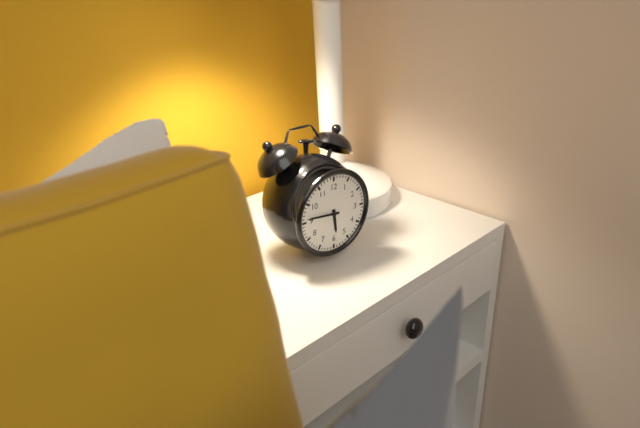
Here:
5,46
